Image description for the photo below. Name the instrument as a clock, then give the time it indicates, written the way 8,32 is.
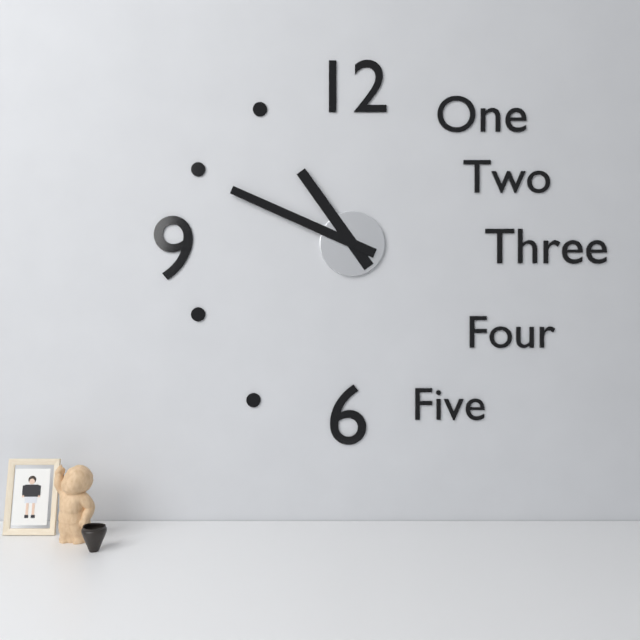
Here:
10,49
